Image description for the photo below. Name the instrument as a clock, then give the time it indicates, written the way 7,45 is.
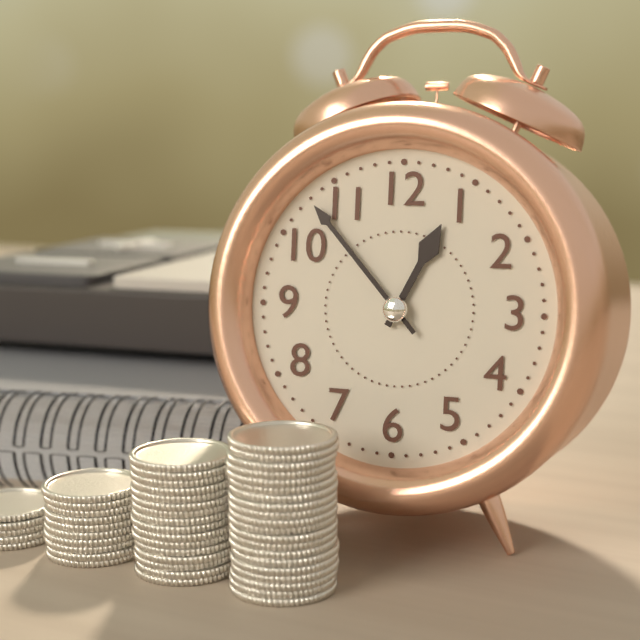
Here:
12,53
